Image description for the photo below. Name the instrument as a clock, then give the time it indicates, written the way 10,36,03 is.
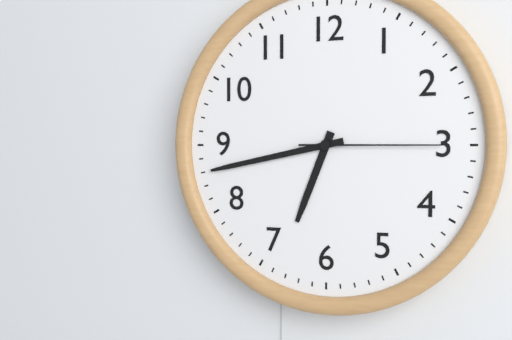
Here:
6,43,15
